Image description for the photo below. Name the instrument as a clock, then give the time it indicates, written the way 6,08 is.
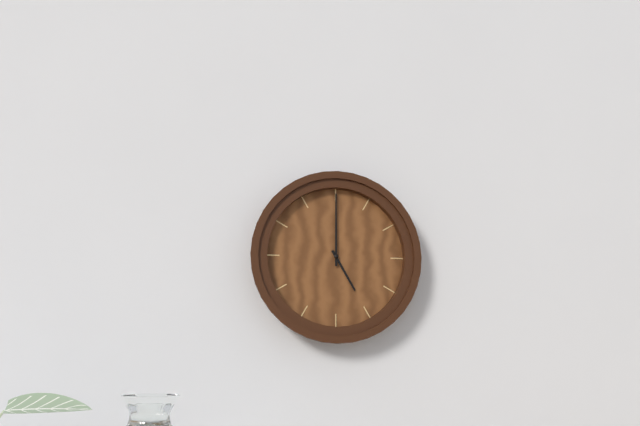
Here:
5,00
